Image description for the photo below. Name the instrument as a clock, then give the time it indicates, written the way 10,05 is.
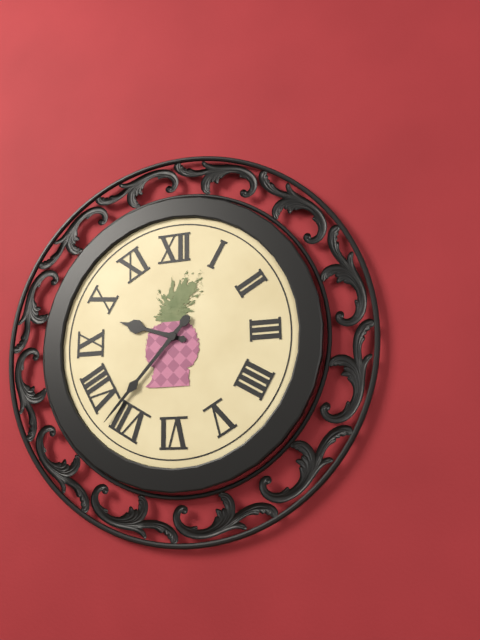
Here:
9,37
